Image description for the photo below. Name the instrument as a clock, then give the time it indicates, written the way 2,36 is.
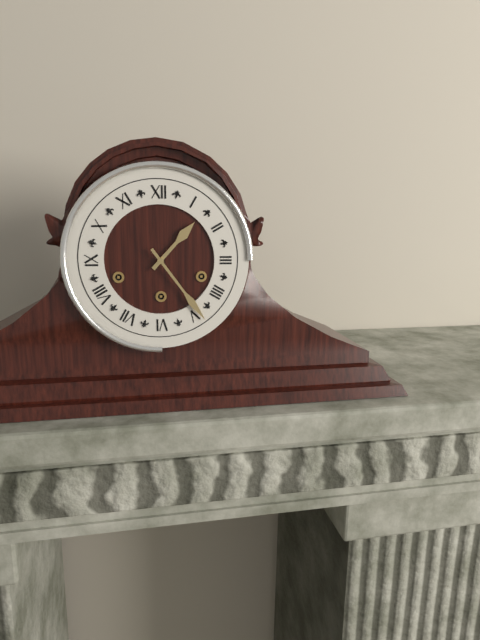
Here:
1,24
